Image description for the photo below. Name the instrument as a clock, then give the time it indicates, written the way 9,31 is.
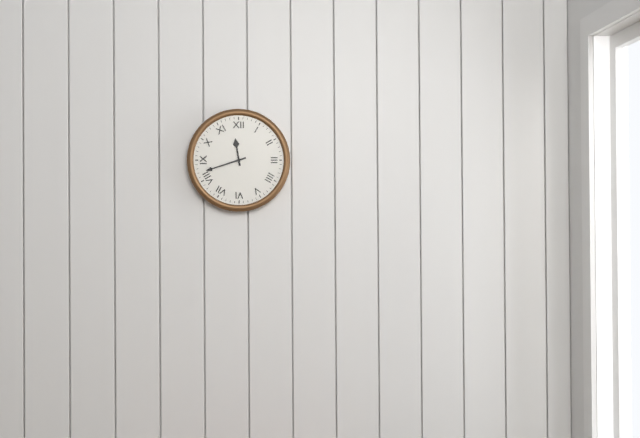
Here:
11,42
